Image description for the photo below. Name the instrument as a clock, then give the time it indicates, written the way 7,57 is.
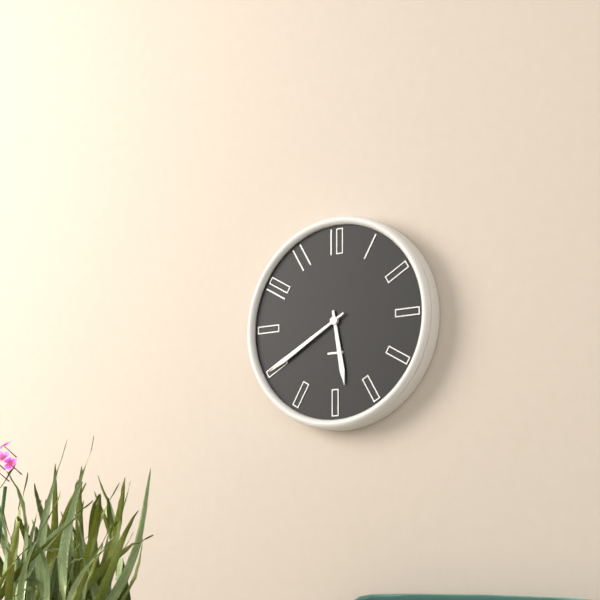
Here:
5,40
